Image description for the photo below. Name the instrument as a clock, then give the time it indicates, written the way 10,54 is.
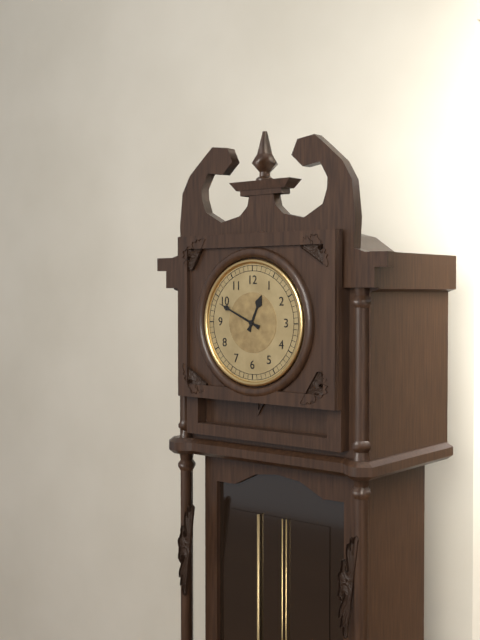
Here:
12,49
